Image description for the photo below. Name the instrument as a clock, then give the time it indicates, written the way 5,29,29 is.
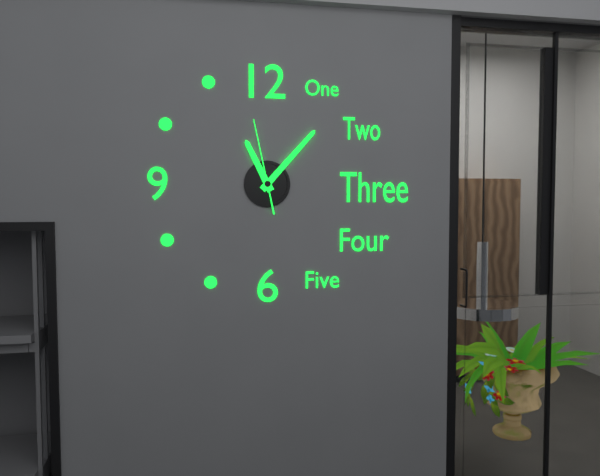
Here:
11,07,58
